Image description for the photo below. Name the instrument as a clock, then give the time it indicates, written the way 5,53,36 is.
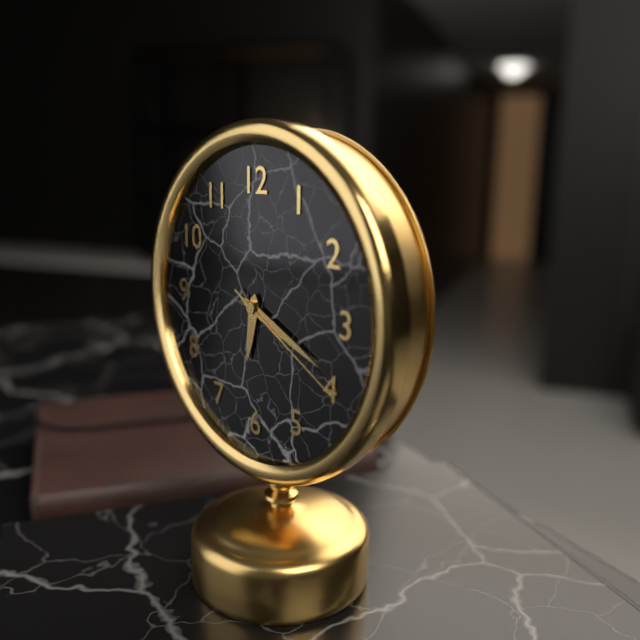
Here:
6,19,20
